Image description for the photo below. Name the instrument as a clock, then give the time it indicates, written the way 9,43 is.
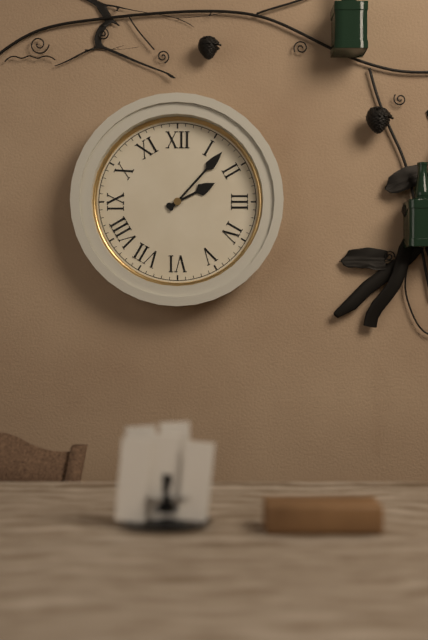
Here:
2,07
